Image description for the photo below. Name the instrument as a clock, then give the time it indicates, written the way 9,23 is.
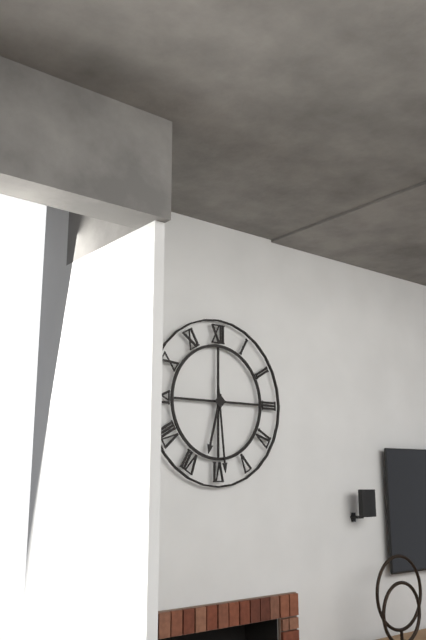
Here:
6,29
